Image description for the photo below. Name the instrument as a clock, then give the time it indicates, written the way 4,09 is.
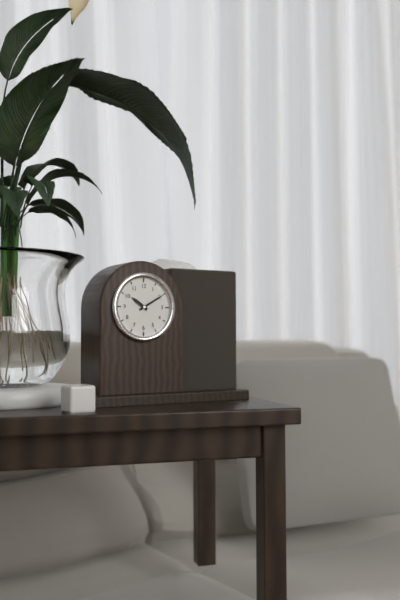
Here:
10,10
